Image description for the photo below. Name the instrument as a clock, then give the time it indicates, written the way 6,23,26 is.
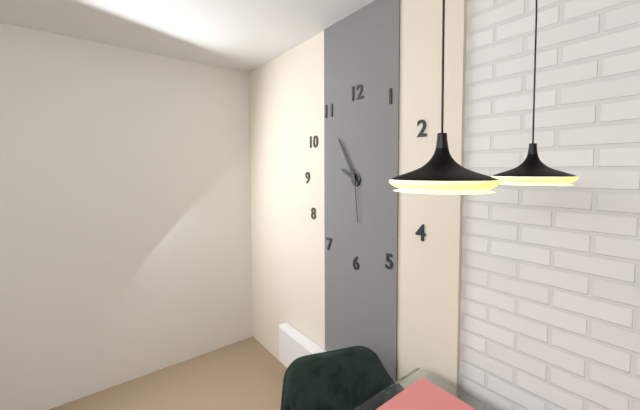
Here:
9,55,29
